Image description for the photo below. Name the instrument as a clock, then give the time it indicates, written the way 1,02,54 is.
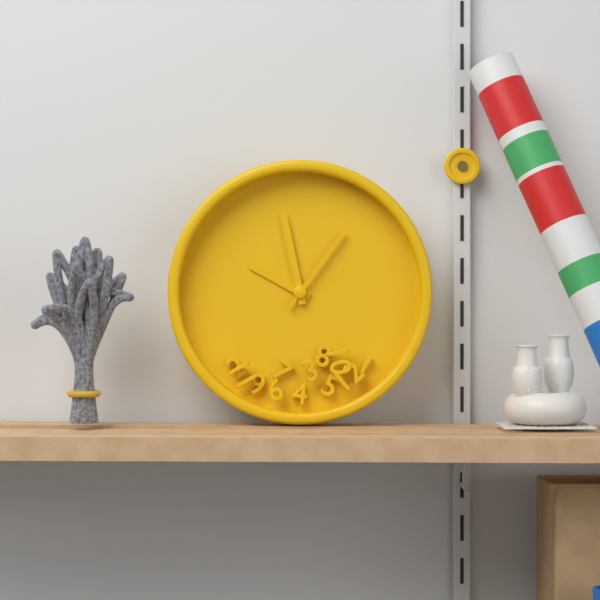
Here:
9,58,06
